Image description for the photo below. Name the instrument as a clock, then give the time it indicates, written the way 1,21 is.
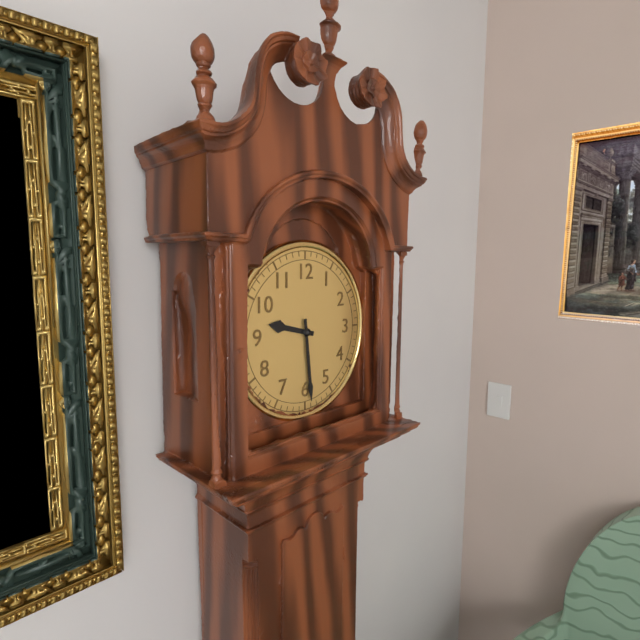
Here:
9,29
